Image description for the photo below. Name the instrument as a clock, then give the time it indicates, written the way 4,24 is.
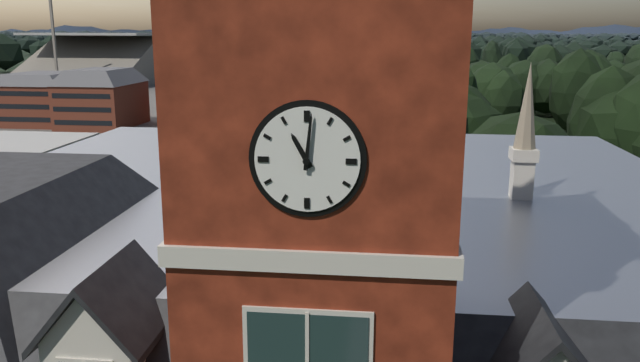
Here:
11,01
